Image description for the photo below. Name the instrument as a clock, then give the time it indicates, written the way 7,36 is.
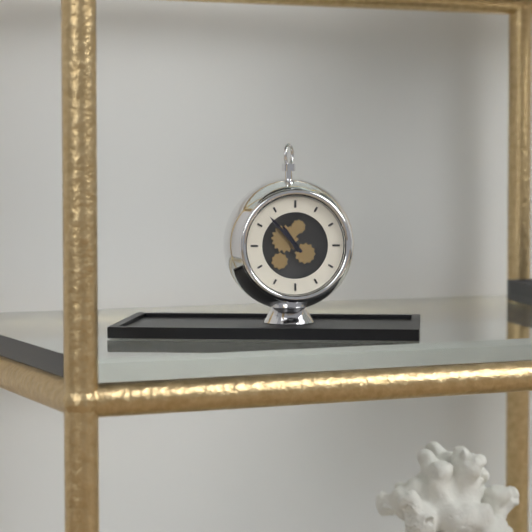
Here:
10,53
